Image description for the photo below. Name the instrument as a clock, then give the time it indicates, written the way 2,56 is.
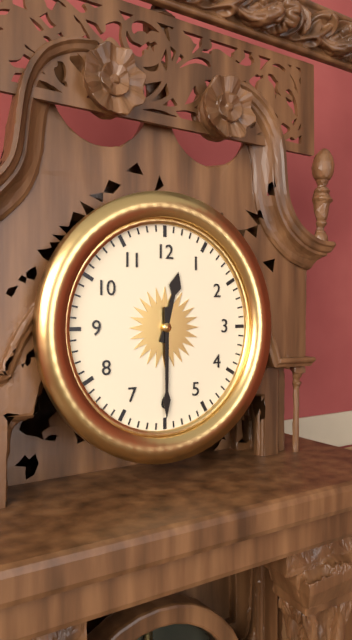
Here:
12,30
